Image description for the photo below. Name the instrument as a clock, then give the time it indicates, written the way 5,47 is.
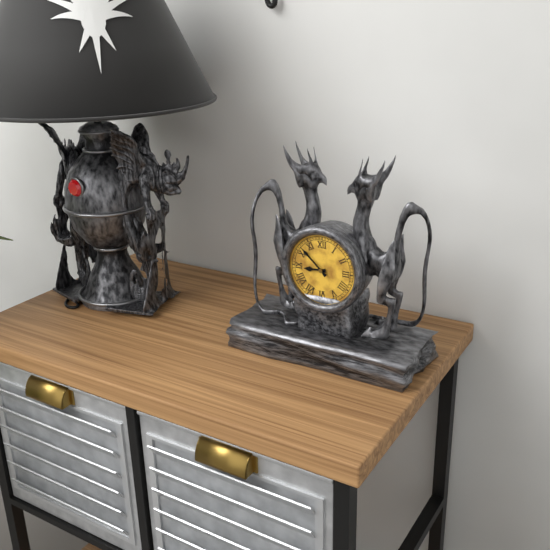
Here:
8,52
